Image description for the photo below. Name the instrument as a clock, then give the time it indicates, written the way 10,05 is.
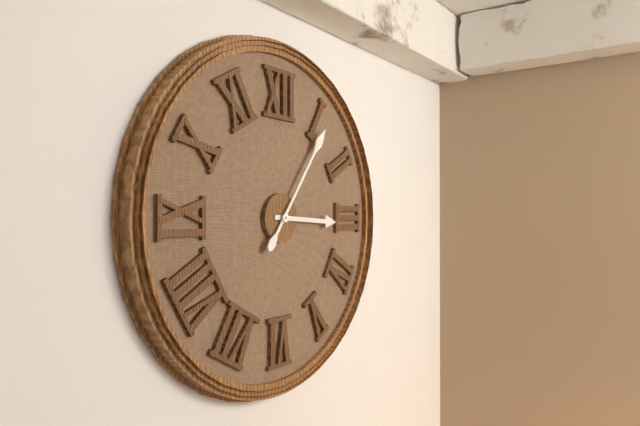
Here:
3,06
